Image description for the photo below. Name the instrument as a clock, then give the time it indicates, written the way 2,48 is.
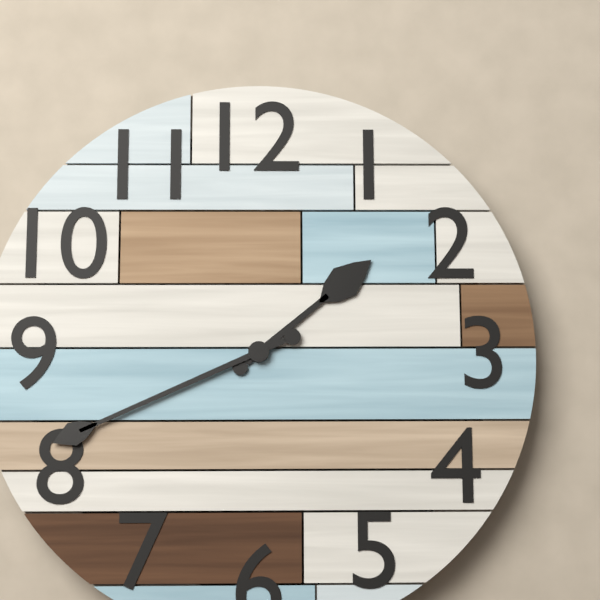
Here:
1,41
